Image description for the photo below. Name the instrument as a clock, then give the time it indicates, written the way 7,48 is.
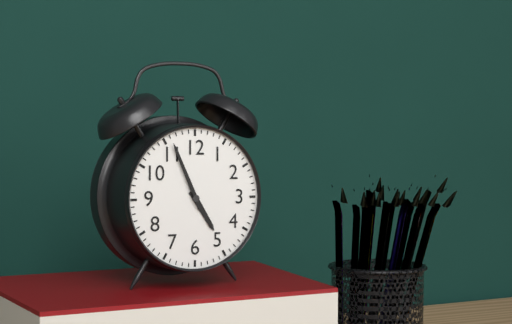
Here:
4,56
